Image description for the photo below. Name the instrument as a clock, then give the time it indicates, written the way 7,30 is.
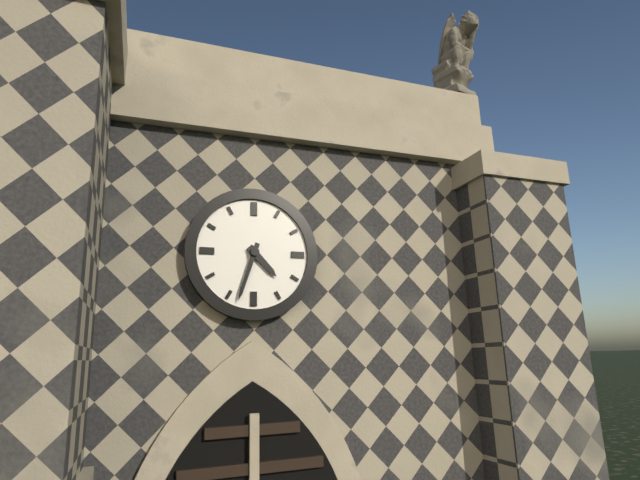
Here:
4,33
